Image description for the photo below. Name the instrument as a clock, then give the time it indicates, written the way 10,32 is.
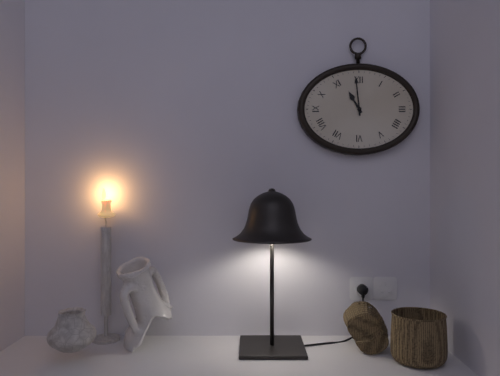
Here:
10,59
